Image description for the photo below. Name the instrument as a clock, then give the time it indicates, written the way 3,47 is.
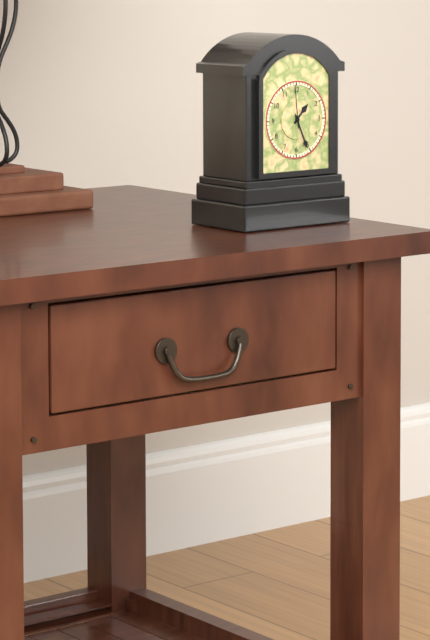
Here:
1,26
